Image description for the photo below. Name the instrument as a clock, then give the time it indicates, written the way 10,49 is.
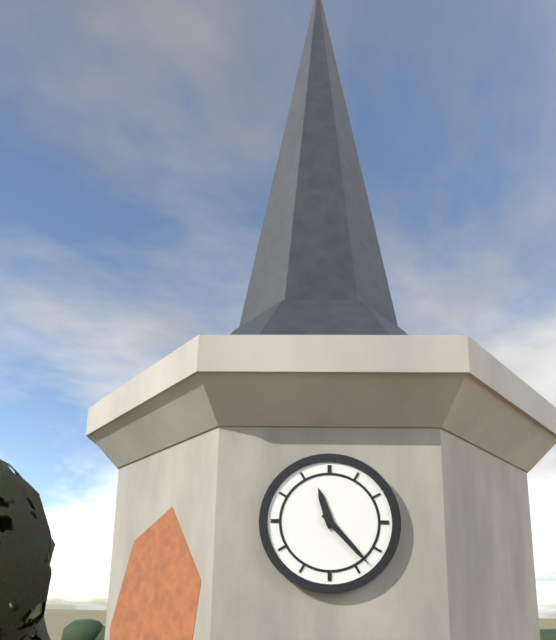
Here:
11,23
